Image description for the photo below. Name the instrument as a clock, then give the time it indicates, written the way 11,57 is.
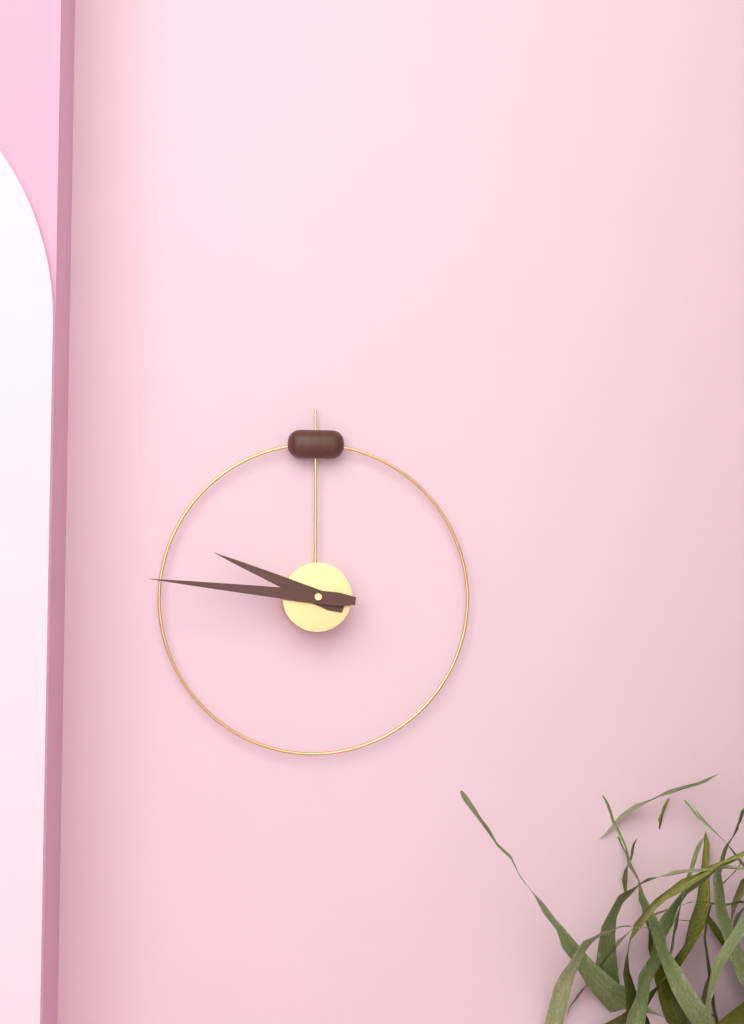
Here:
9,46
